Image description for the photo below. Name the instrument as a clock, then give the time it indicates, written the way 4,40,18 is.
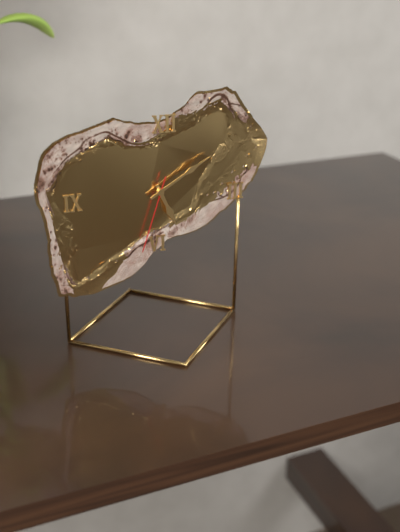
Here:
5,10,33
